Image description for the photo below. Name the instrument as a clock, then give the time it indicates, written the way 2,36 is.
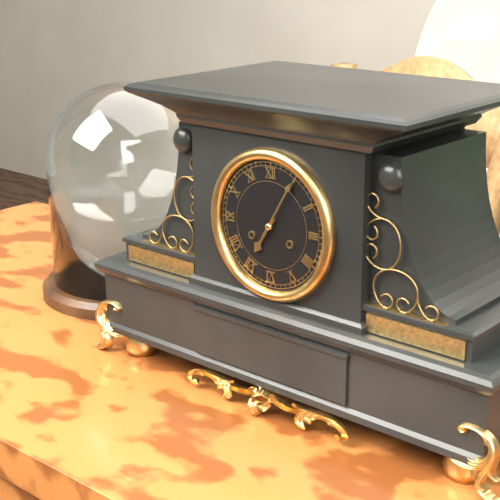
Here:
7,05
